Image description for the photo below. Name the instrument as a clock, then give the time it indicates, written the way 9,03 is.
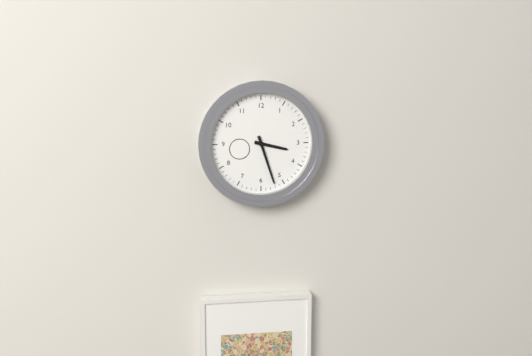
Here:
3,27
